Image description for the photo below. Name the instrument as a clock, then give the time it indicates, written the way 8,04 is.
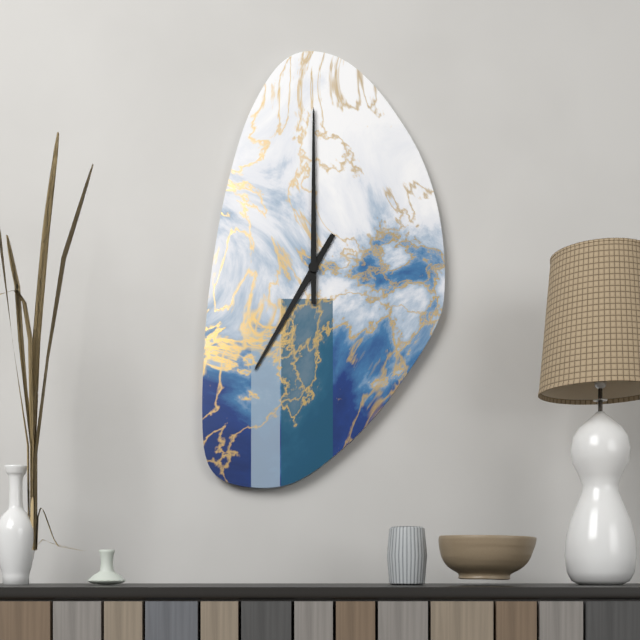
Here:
7,00
